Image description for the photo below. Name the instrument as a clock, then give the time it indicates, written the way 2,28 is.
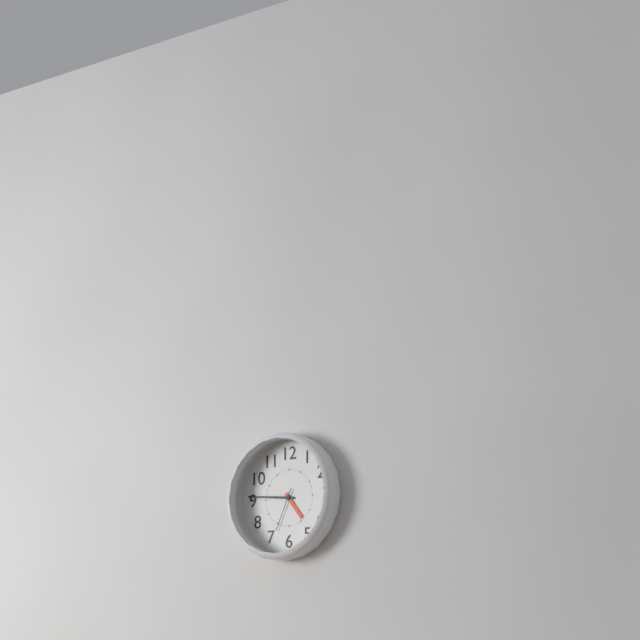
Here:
4,46
